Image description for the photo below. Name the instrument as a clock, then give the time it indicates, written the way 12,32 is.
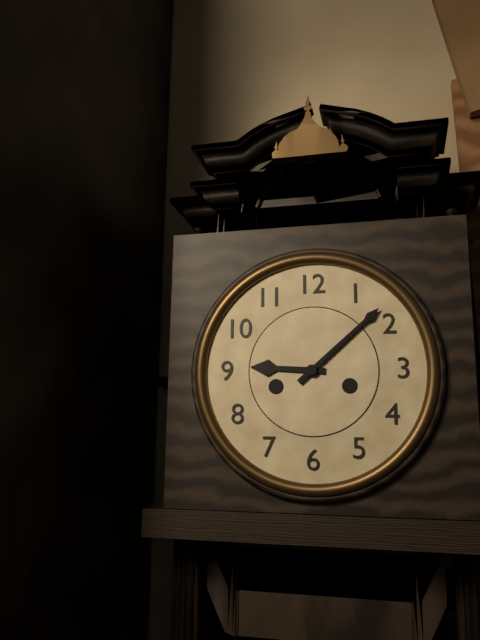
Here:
9,08
